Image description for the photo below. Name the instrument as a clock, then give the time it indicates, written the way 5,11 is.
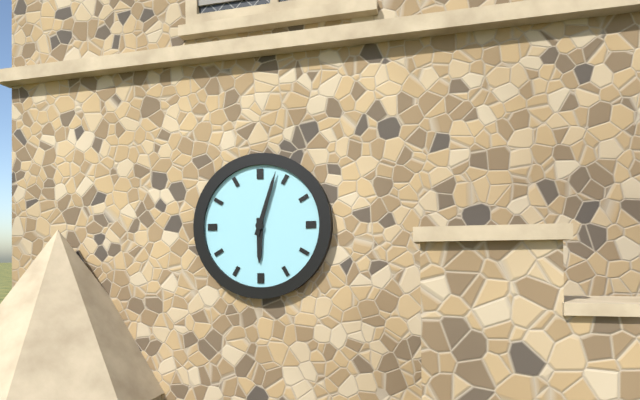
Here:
6,03
